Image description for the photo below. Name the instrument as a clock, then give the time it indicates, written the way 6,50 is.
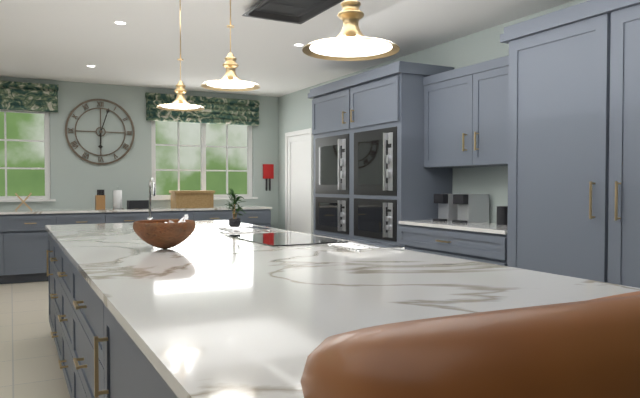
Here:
6,03
